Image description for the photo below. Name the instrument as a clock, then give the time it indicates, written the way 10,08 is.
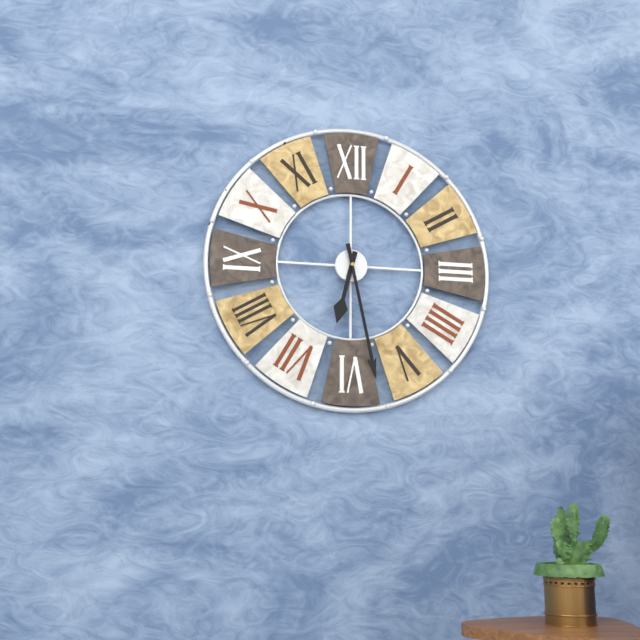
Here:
6,28
